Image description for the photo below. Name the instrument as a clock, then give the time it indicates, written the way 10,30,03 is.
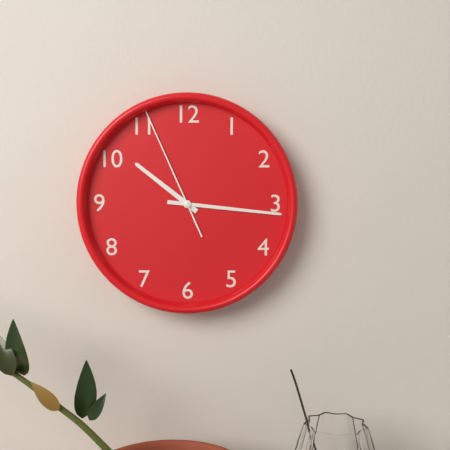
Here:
10,16,56
